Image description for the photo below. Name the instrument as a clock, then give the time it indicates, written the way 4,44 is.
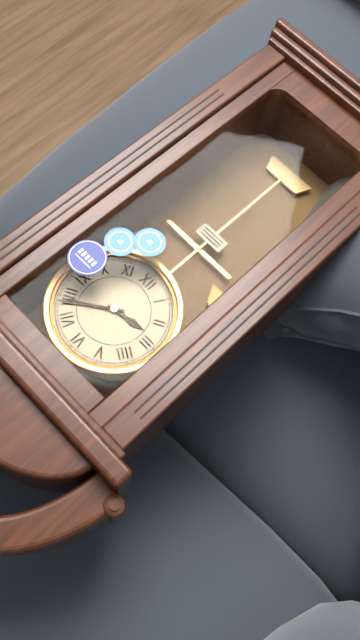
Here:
2,39
